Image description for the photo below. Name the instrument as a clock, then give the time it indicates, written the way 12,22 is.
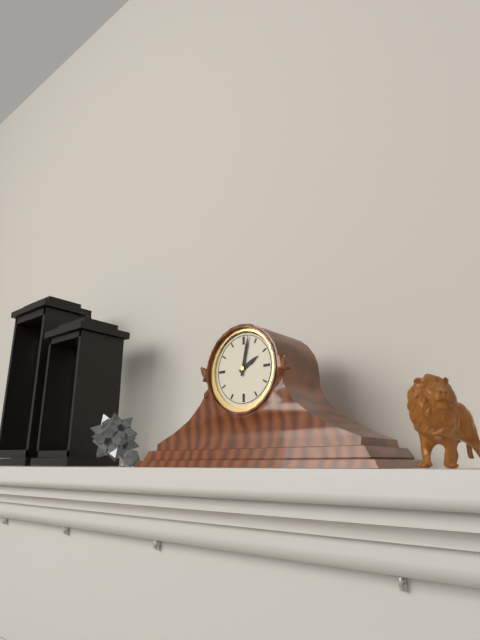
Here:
2,02
